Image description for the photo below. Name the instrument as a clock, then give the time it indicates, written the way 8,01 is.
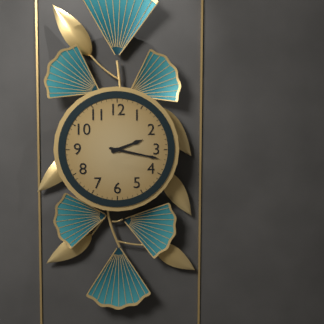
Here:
2,17
